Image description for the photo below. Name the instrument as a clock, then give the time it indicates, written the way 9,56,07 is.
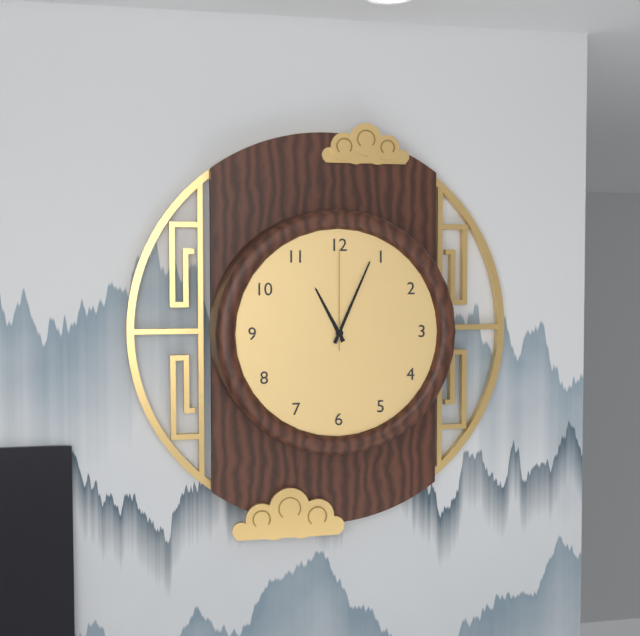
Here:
11,04,00
